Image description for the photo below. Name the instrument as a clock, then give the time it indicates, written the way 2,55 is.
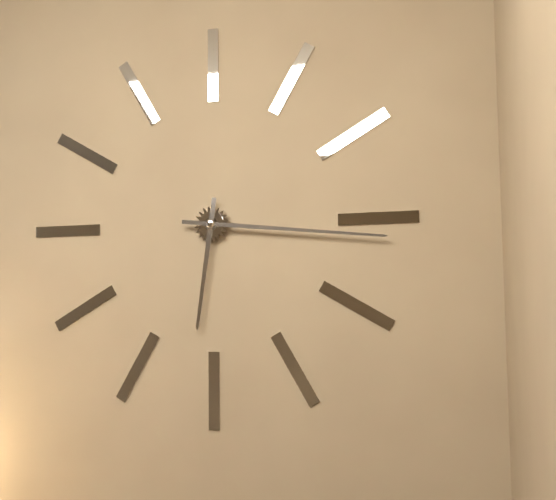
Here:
6,16
